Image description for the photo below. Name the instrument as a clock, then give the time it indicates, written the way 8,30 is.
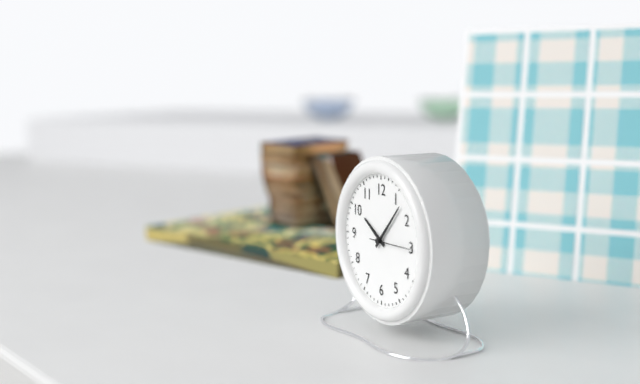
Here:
10,07
